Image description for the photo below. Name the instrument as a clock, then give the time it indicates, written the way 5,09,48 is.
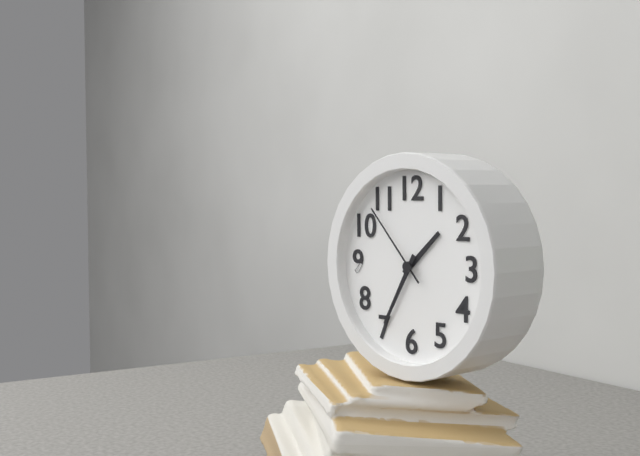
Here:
1,35,53
